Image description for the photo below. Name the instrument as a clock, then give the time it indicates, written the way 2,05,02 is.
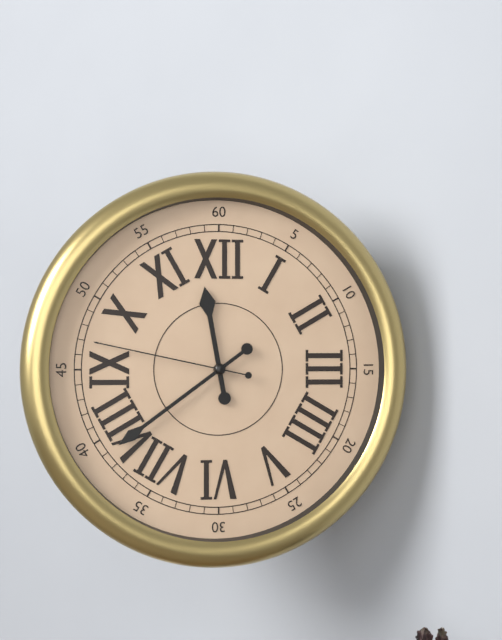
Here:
11,39,47
